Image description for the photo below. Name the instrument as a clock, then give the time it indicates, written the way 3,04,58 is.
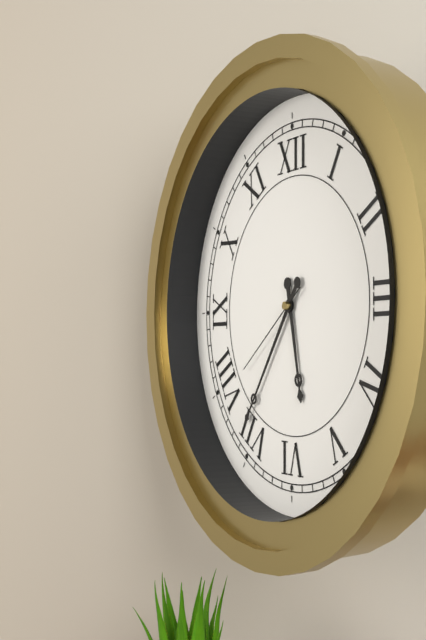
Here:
5,36,39
